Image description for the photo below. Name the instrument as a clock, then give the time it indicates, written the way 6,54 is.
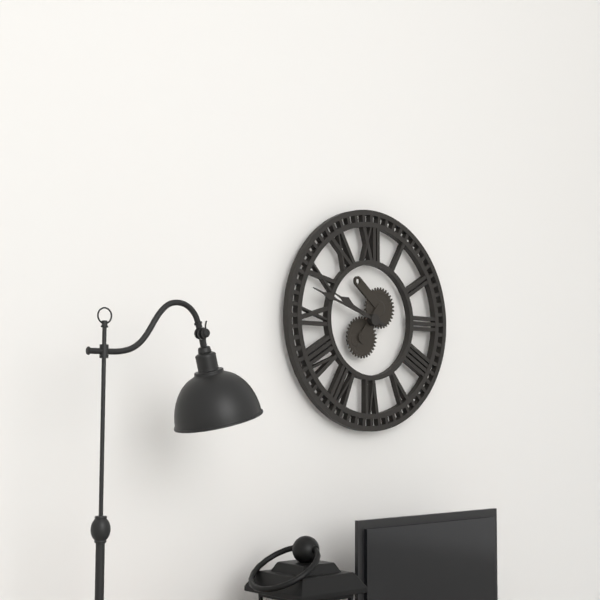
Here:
9,48
